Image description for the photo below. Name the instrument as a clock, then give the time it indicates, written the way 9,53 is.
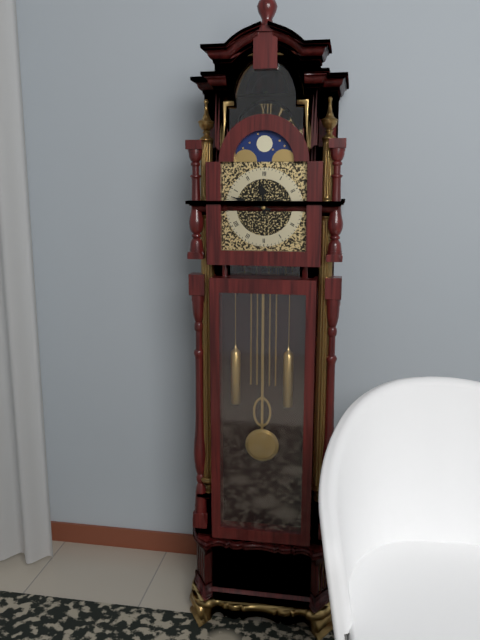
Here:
11,48
